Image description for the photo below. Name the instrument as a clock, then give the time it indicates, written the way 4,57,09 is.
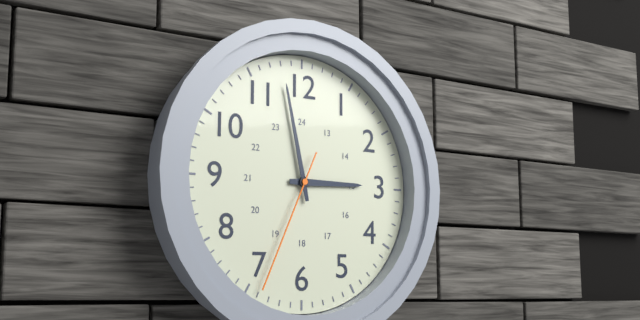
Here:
2,58,34
